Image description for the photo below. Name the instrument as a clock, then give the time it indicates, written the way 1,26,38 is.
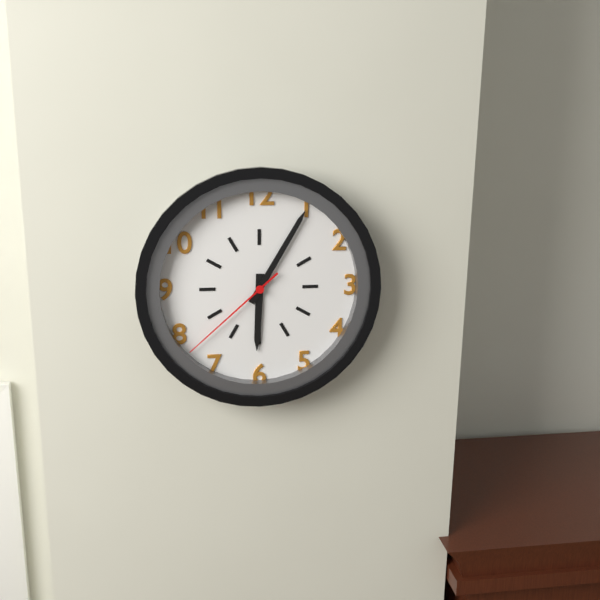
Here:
6,05,38
